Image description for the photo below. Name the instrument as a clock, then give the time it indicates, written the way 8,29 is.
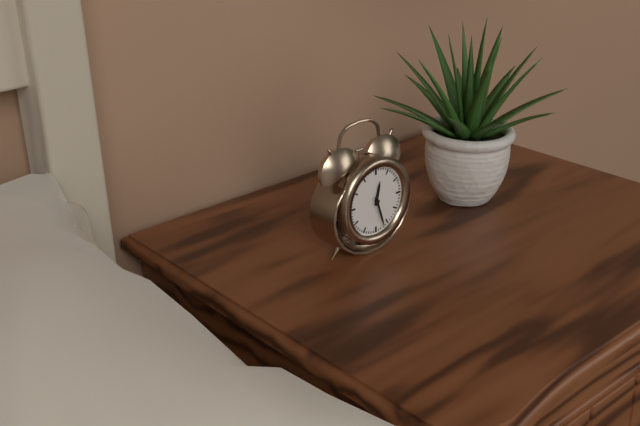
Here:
12,27
